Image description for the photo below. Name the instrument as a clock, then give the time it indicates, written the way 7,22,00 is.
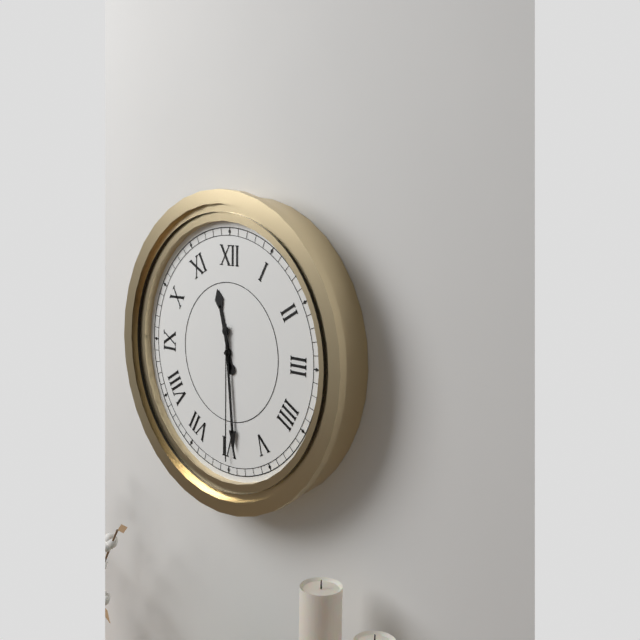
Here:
11,29,30
